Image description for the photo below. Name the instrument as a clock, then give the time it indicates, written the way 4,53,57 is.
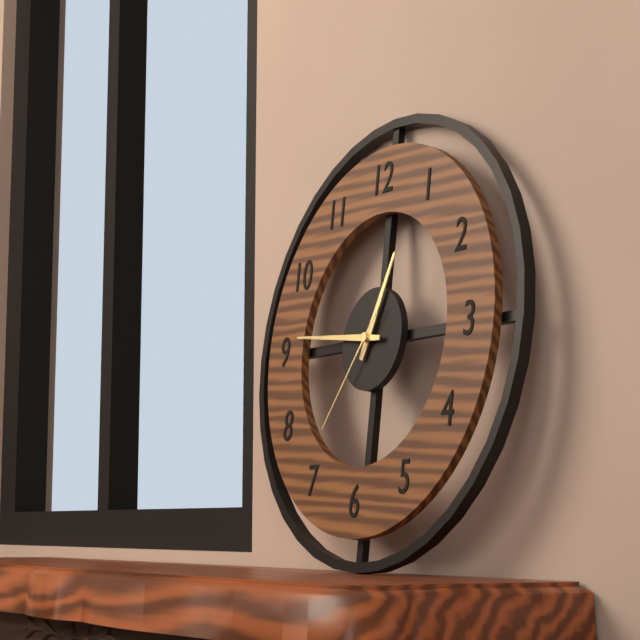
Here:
12,46,36
